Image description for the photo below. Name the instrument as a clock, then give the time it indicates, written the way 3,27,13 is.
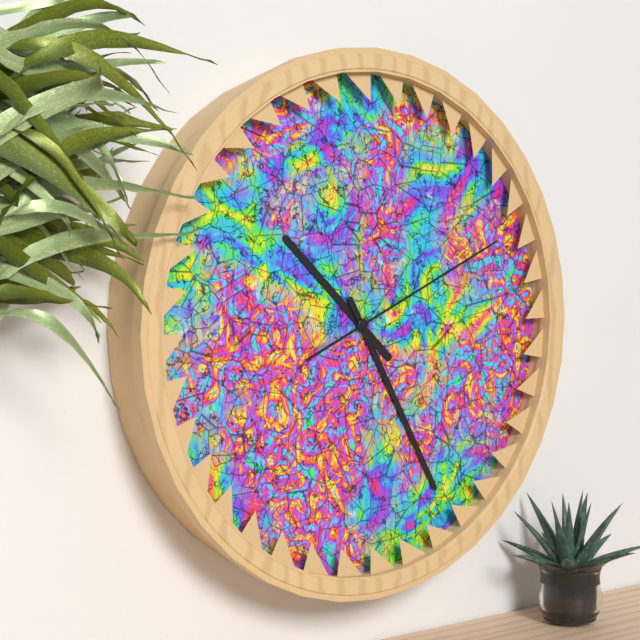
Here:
10,25,11
